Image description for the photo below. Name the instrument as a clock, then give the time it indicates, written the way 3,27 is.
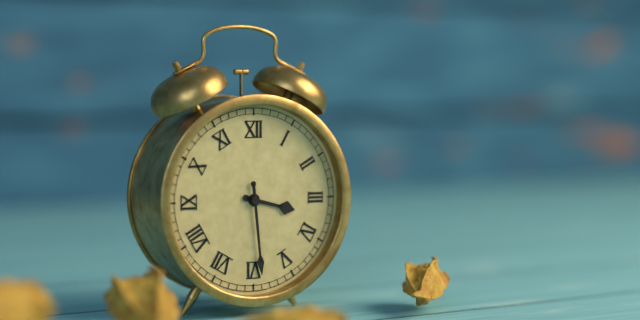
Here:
3,29
